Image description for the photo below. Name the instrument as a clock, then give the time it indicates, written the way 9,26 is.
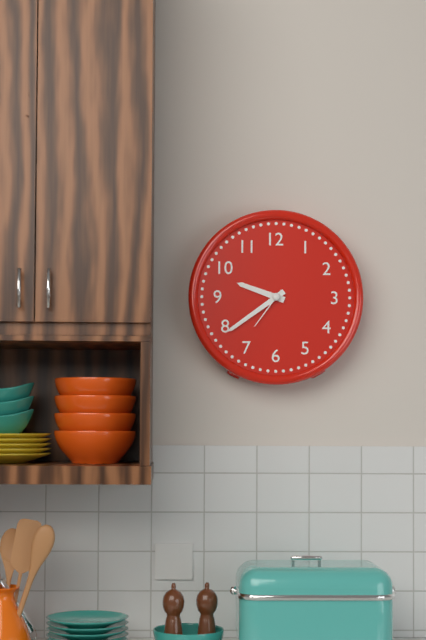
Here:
9,39
